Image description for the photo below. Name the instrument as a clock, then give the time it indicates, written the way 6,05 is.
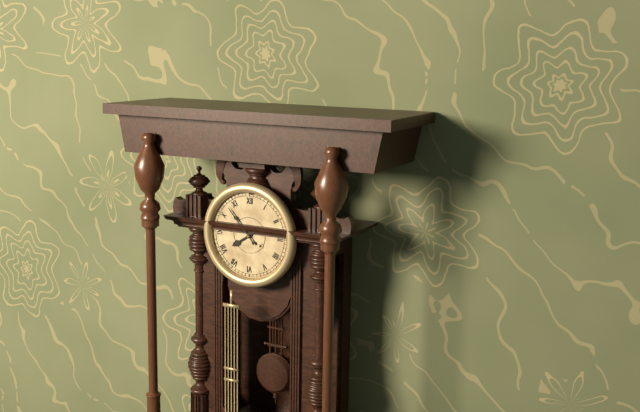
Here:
7,53
